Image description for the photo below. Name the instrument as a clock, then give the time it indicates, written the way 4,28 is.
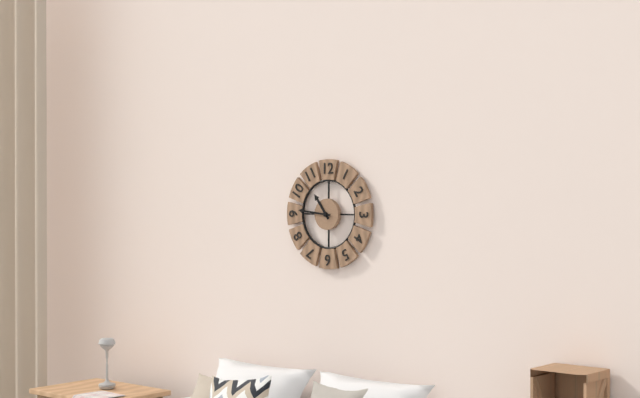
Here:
10,46
